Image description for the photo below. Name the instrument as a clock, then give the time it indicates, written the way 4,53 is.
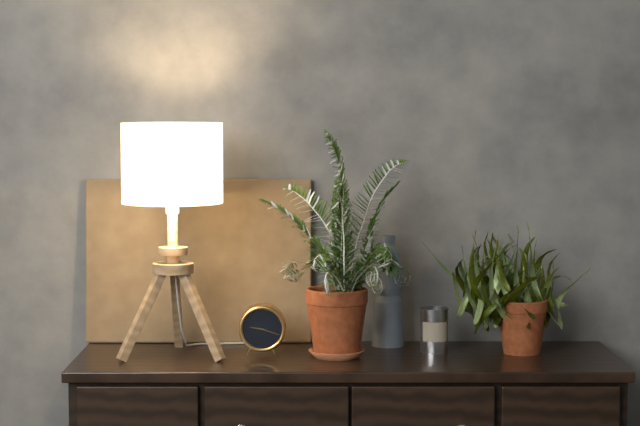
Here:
9,18
